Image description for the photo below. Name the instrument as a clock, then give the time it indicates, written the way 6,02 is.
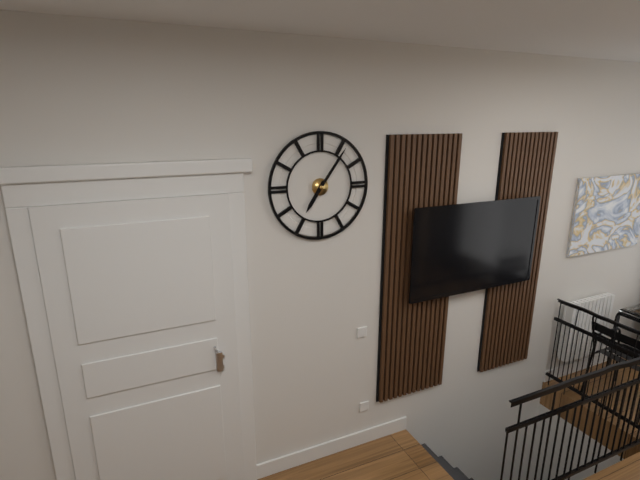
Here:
7,06
